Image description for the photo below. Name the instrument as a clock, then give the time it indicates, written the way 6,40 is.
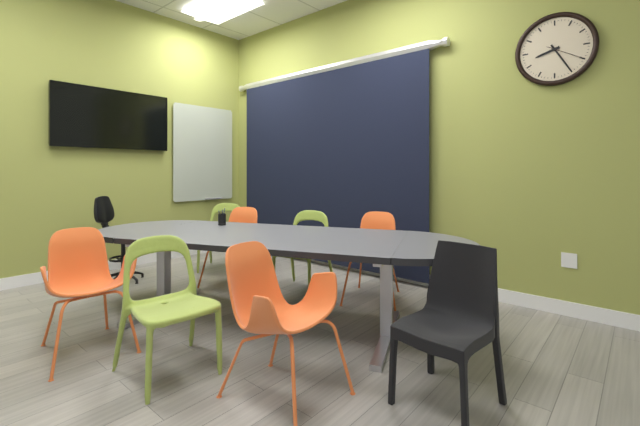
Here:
8,25
